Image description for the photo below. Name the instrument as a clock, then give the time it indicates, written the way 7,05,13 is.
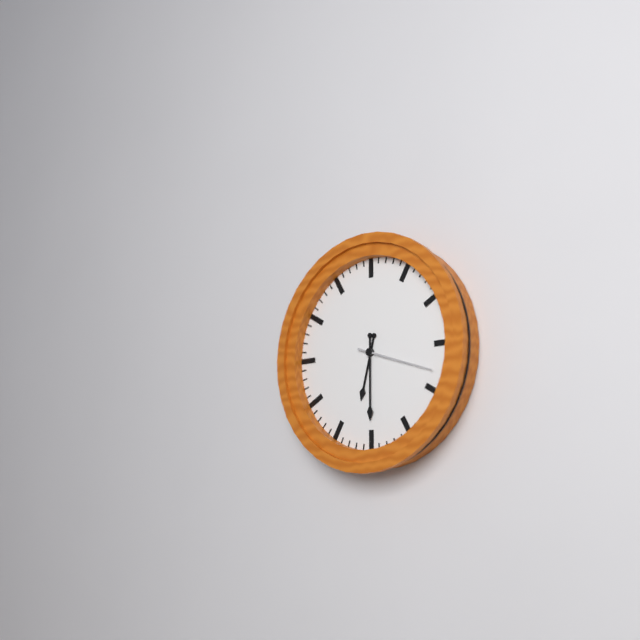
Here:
6,30,18
